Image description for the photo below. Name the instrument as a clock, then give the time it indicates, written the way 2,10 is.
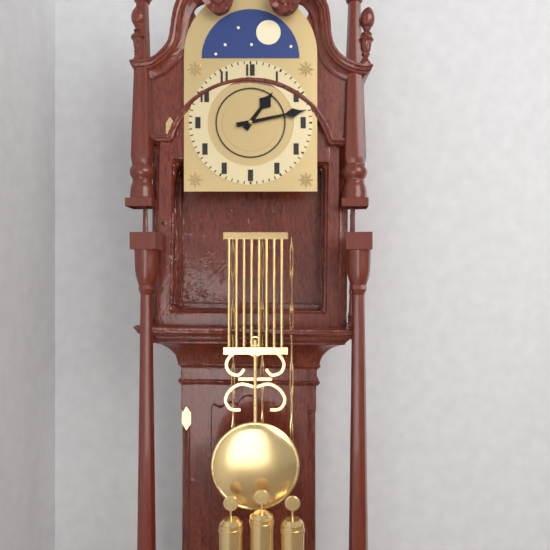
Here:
1,13
